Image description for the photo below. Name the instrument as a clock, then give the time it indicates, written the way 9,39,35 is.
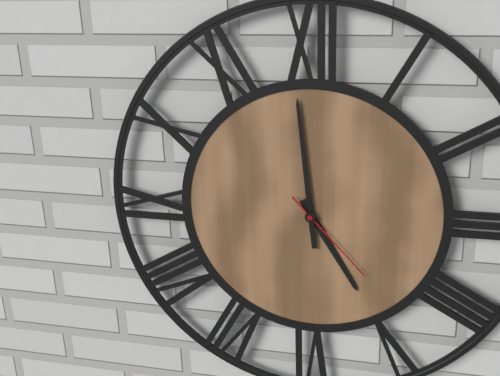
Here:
4,59,23
